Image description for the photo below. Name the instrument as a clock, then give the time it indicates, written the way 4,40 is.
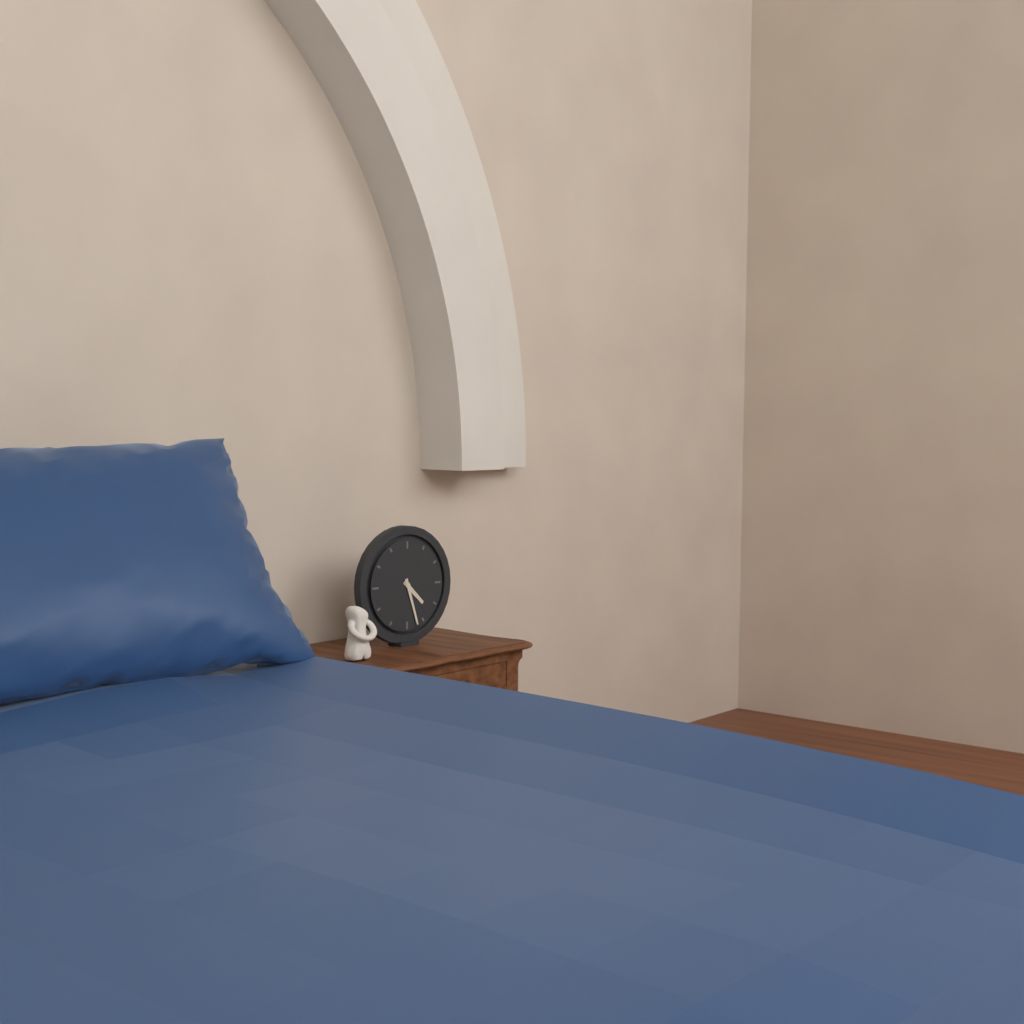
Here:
4,27
